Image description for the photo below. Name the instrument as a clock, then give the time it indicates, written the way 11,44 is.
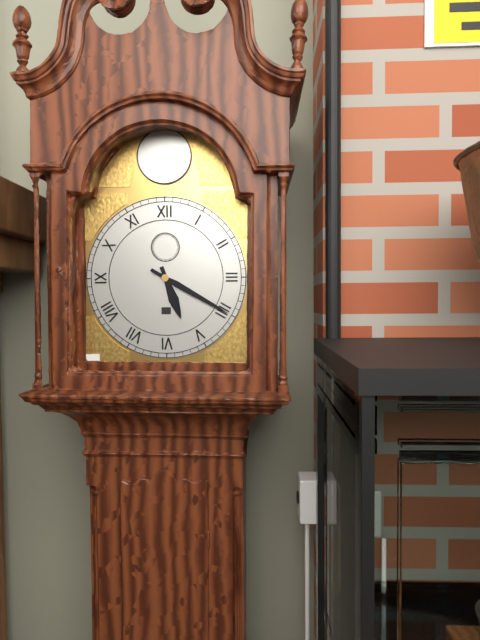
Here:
5,20
